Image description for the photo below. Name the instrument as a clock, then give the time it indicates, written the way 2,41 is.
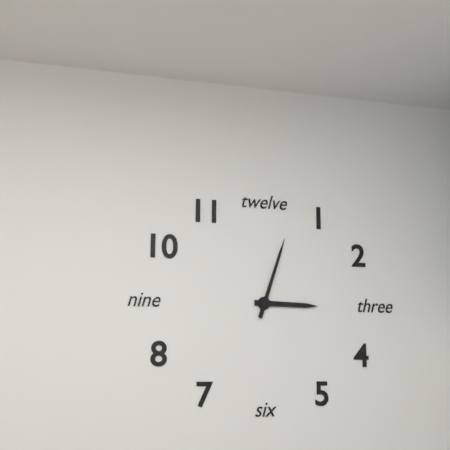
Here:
3,03
